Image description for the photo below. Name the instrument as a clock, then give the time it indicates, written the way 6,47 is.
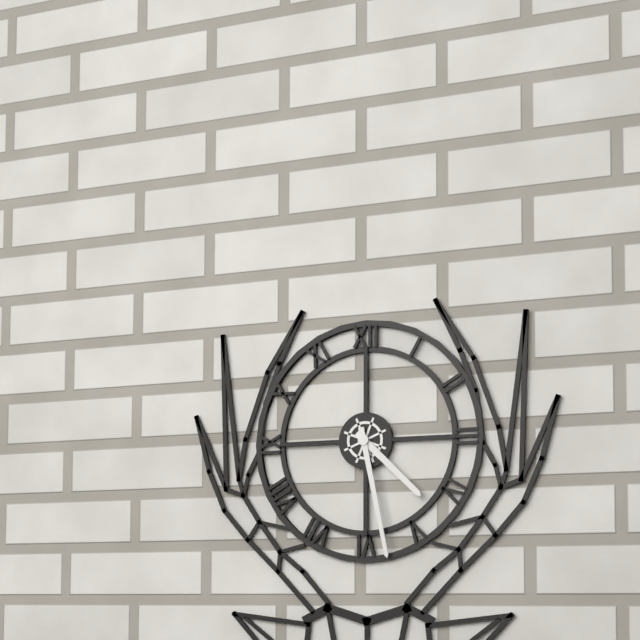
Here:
4,28
